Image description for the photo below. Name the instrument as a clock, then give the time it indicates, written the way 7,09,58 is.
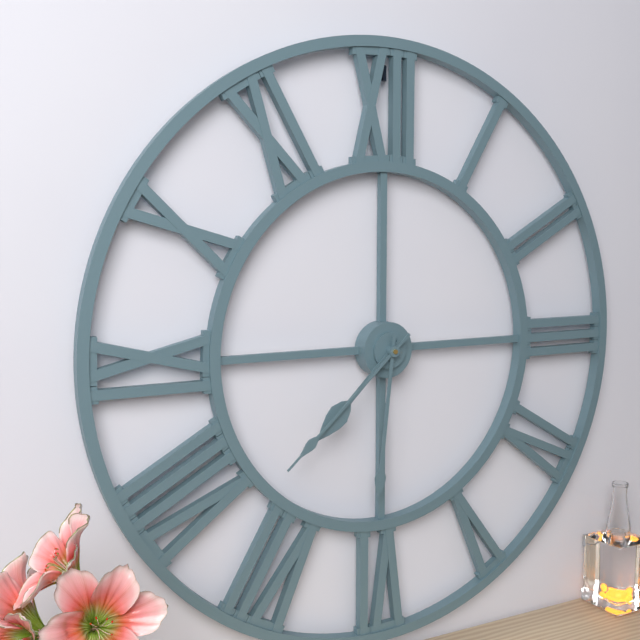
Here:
7,31,38
